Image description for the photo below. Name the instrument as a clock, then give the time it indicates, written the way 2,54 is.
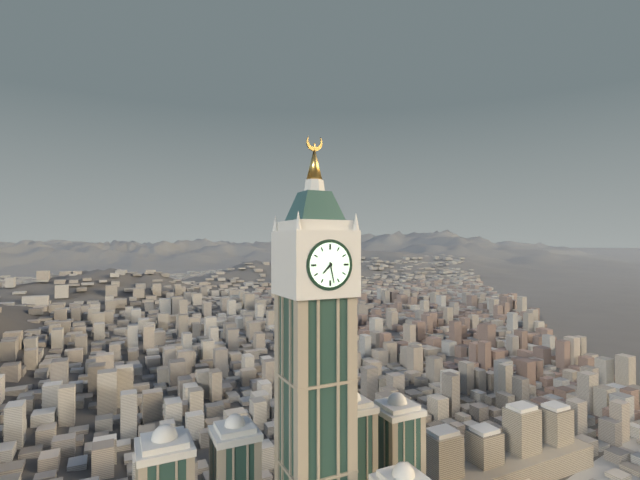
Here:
7,28
